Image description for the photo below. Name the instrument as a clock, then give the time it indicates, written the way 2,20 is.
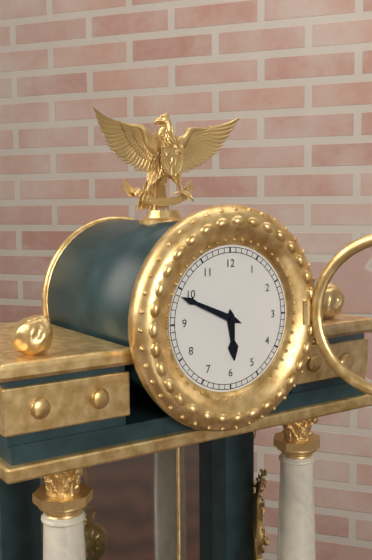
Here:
5,49
